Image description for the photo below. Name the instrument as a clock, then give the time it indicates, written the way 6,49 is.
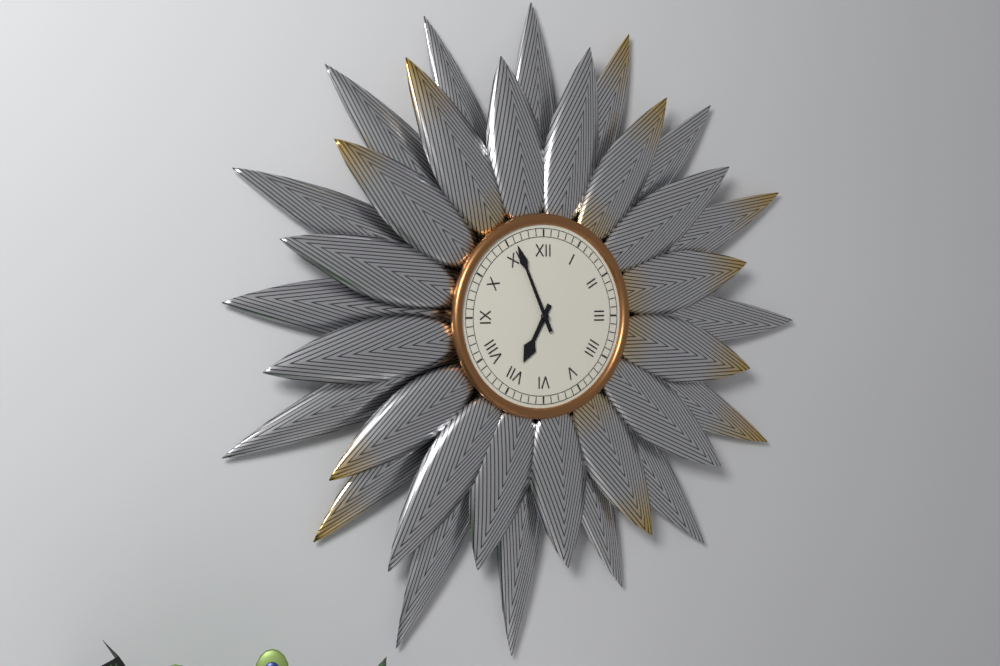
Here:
6,56
